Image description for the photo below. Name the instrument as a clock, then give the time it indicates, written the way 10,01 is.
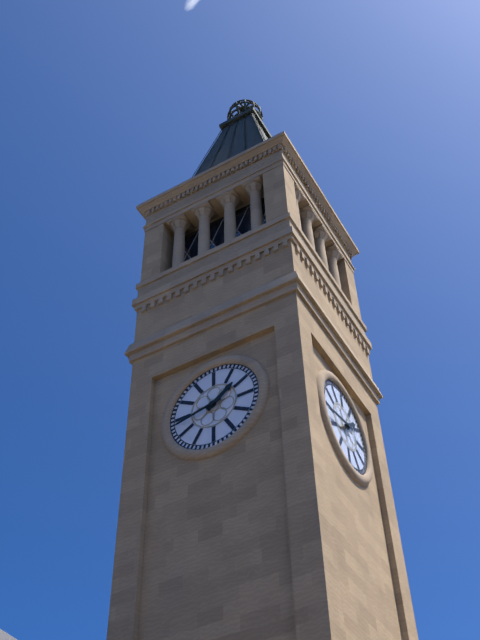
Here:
1,43
